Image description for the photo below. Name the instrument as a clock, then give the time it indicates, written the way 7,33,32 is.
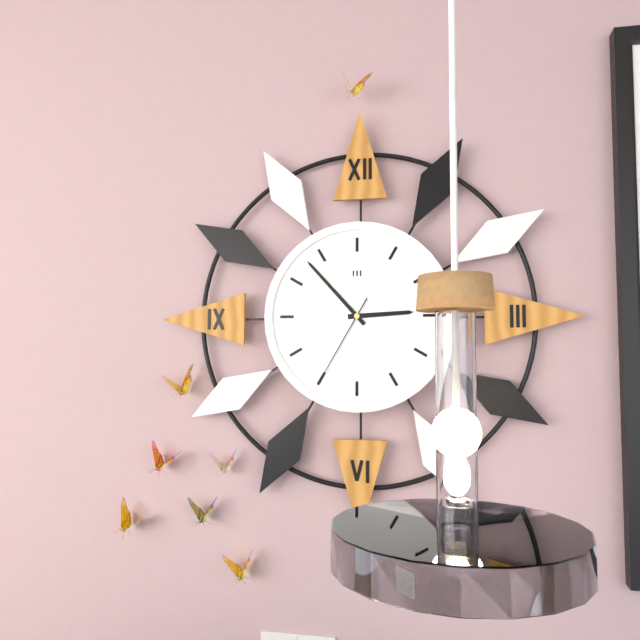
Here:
2,53,35
